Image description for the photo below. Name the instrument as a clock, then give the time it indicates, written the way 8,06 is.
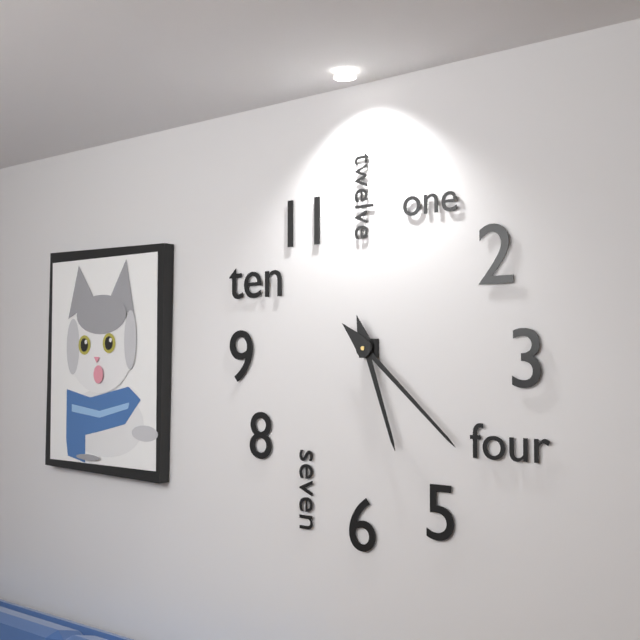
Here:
5,22
